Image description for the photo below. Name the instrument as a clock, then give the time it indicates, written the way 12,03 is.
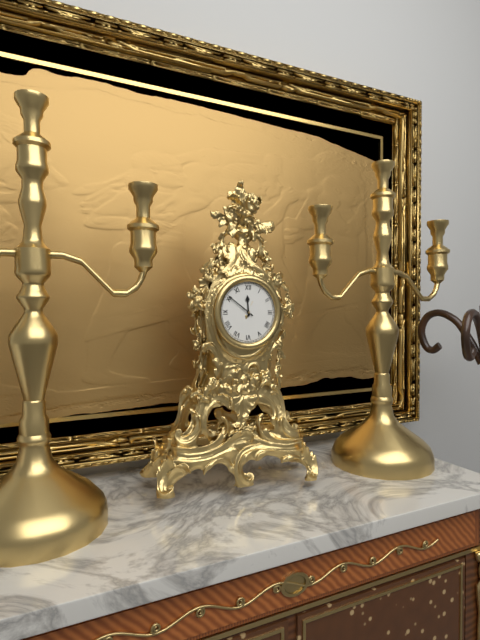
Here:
11,51
